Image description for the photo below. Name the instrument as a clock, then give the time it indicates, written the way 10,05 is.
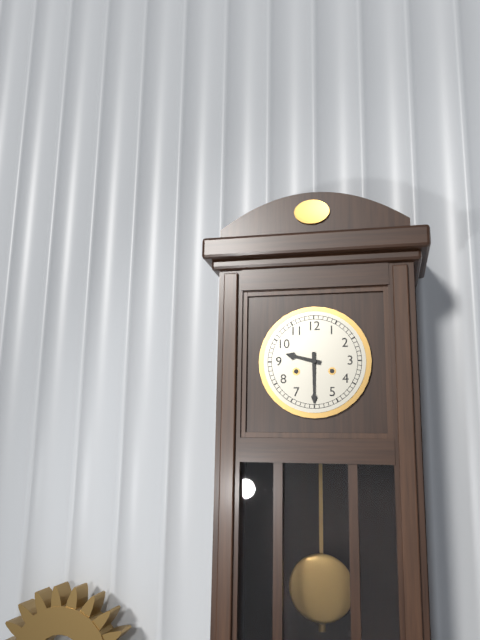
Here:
9,30
